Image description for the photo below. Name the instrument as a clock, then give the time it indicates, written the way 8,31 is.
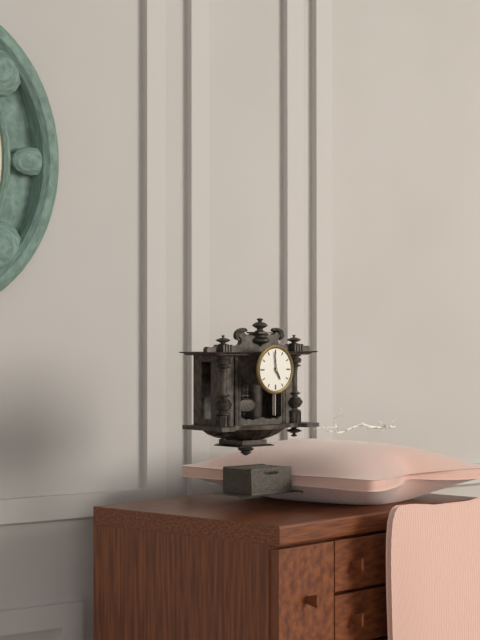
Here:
4,59
